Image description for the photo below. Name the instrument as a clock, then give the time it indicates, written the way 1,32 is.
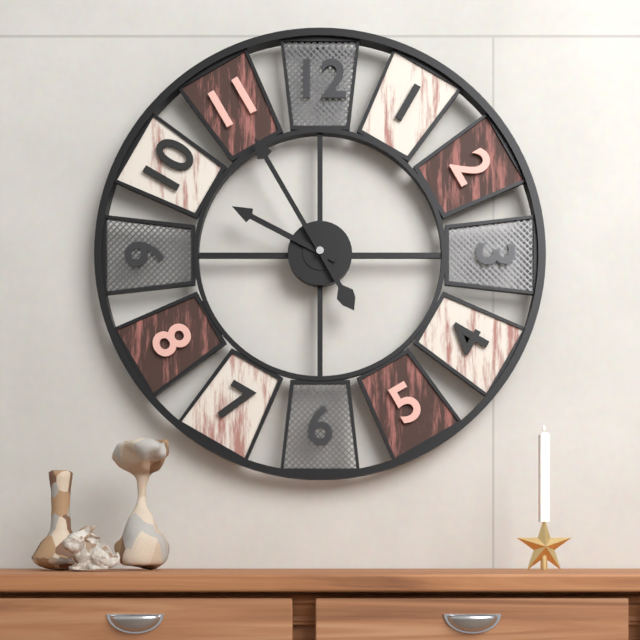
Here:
9,55
